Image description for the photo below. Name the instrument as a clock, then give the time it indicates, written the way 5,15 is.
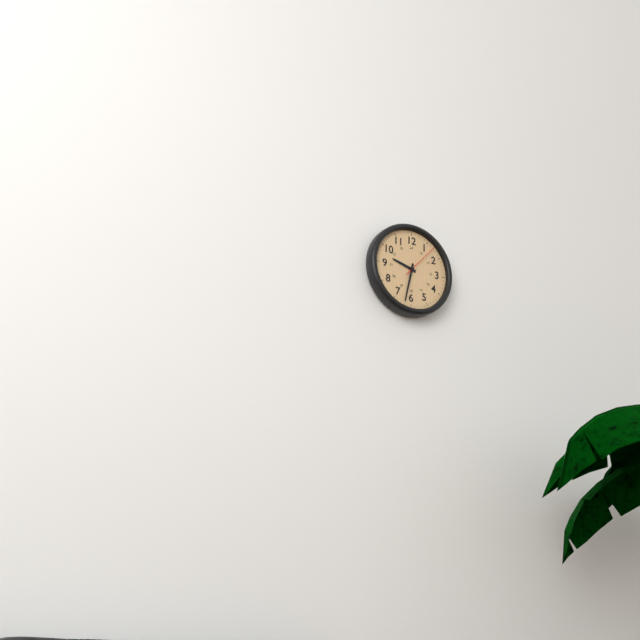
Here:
9,32
